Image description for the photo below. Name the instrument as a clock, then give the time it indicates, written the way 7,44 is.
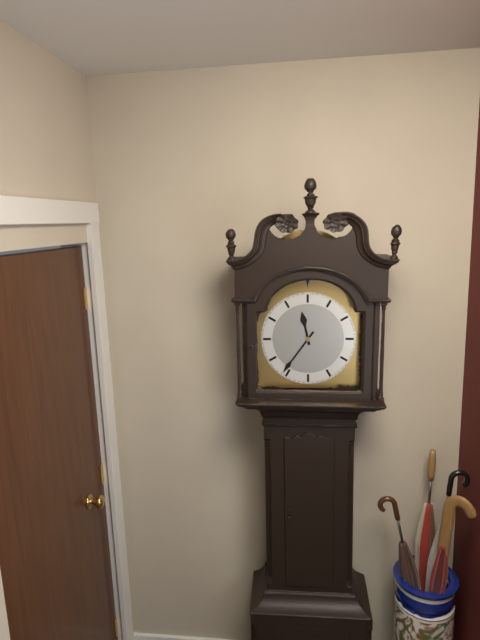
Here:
11,36
